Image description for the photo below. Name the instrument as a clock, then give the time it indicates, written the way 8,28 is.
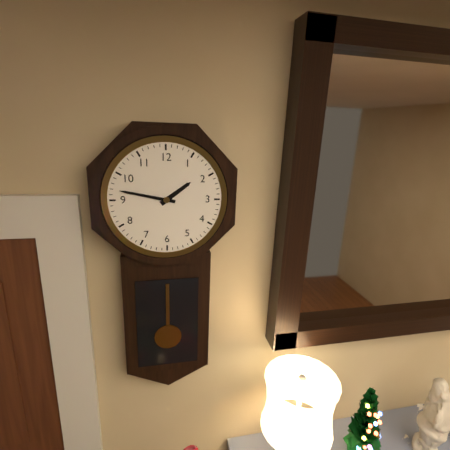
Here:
1,47
